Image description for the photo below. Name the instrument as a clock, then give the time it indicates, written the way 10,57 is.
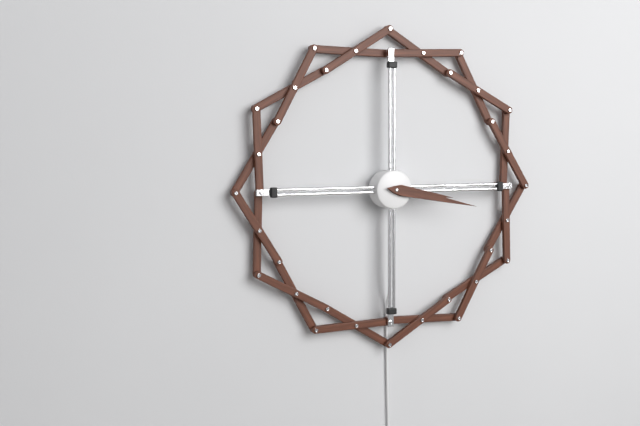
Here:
3,17
